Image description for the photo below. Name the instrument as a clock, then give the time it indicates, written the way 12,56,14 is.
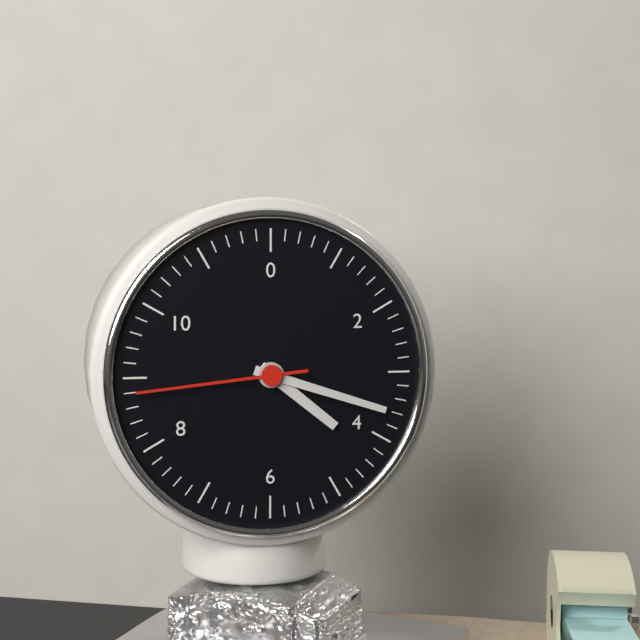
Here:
4,18,44
